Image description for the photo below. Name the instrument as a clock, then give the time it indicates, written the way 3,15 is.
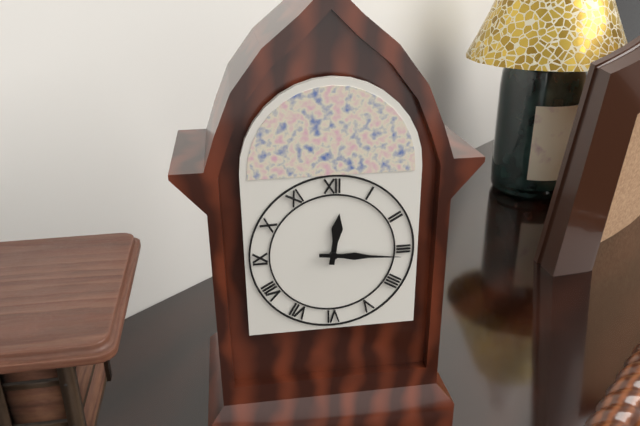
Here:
12,16
